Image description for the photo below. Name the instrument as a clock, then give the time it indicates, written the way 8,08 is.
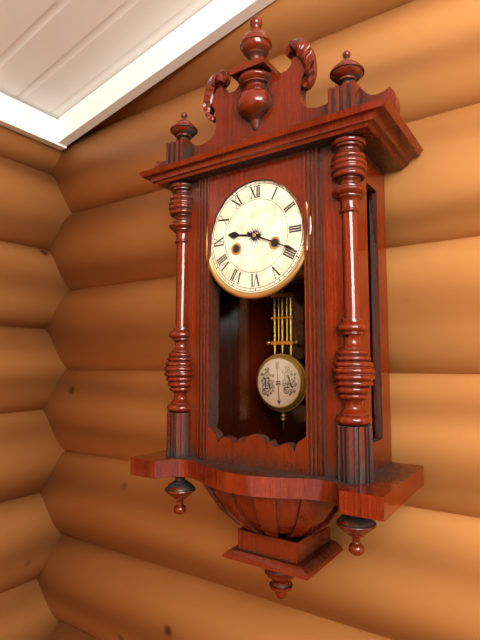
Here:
9,19
